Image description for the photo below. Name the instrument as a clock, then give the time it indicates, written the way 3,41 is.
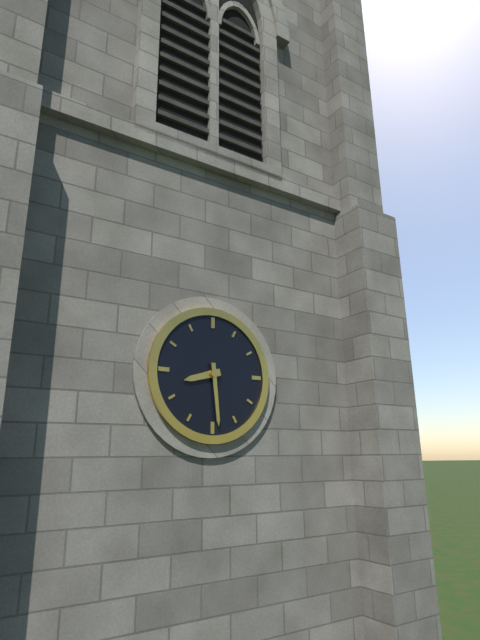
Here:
8,29
